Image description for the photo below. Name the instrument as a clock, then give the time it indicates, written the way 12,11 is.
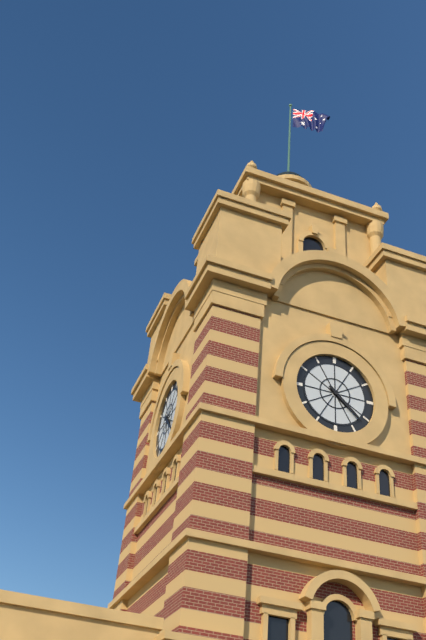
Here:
4,22
